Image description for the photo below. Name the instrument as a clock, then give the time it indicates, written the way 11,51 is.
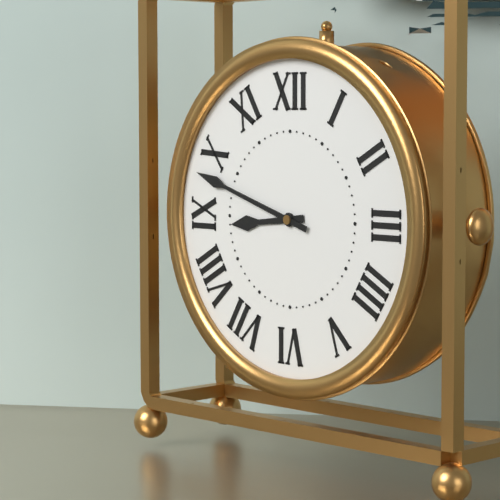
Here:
8,48
